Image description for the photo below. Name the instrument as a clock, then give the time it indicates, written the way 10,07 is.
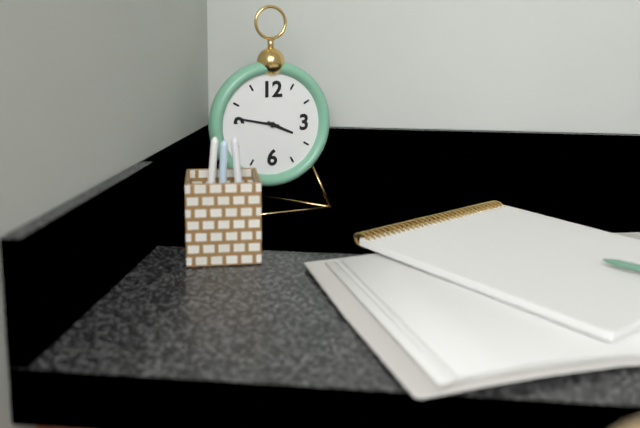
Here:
3,47
